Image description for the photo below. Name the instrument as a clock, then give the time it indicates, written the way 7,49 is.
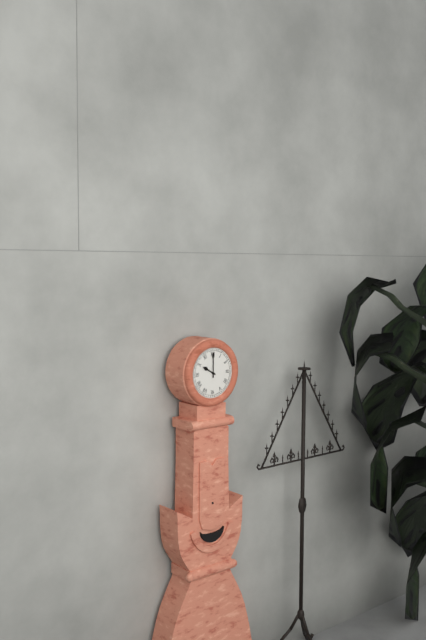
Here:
10,00
